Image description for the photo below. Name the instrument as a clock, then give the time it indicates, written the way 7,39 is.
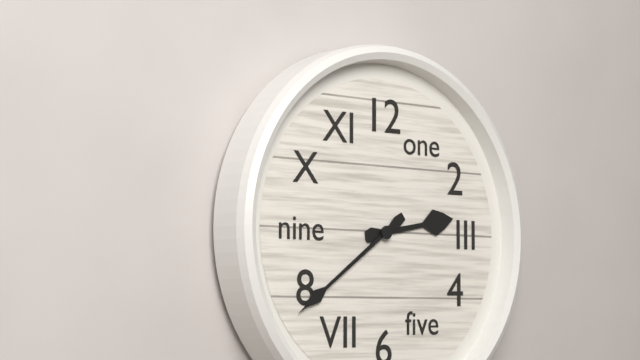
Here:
2,39
